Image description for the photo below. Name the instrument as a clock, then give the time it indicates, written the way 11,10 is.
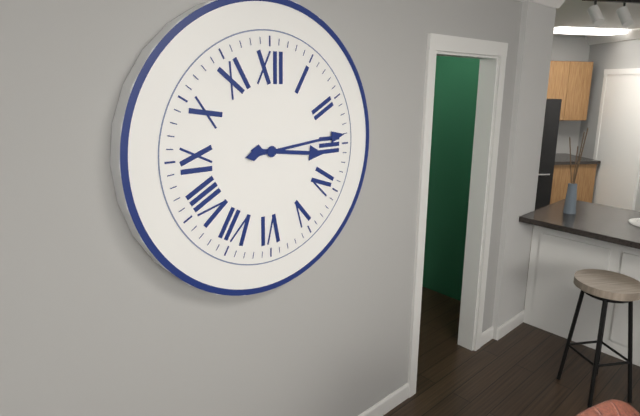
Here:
3,14
